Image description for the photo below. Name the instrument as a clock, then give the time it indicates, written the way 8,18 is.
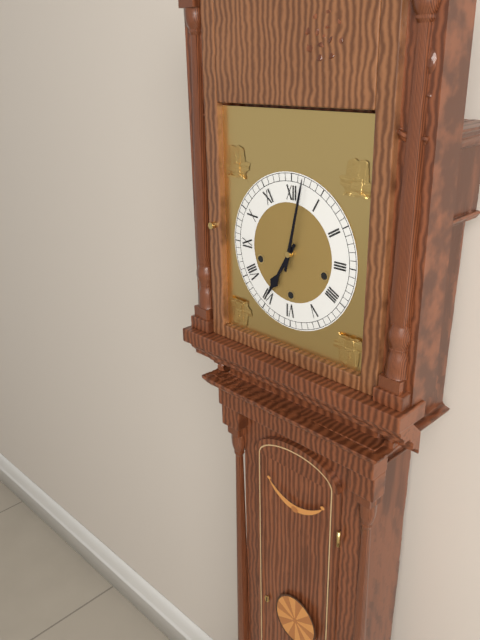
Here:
7,02
